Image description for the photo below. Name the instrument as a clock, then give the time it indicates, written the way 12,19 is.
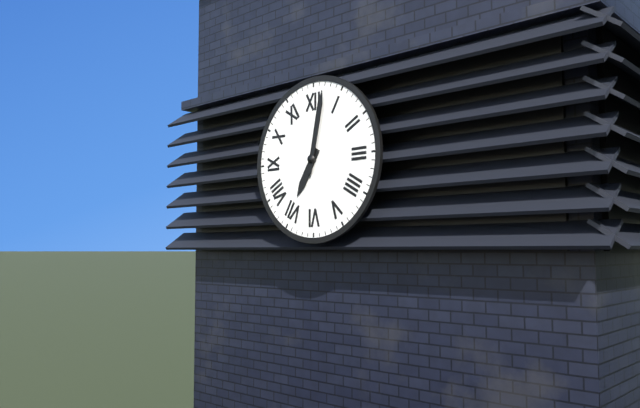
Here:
7,02
